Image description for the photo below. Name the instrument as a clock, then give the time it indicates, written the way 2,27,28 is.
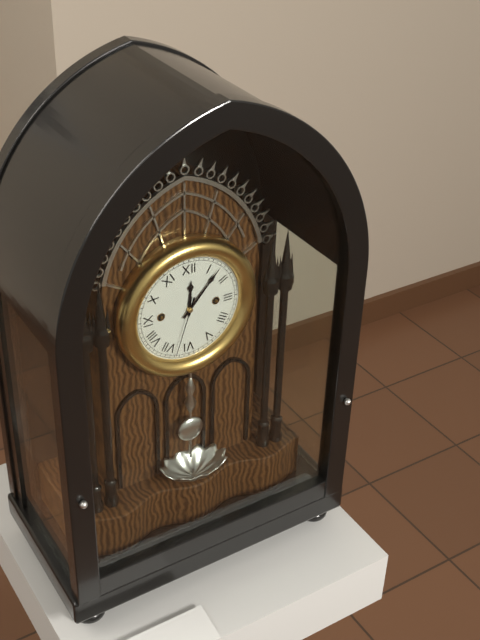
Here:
12,07,33
